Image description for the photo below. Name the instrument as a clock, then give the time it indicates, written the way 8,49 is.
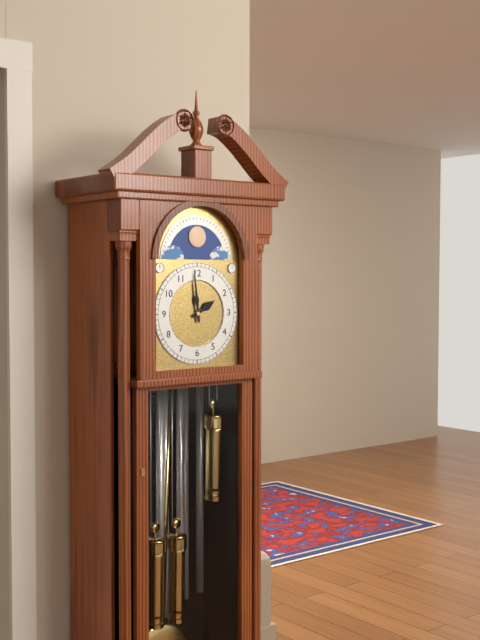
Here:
1,59
